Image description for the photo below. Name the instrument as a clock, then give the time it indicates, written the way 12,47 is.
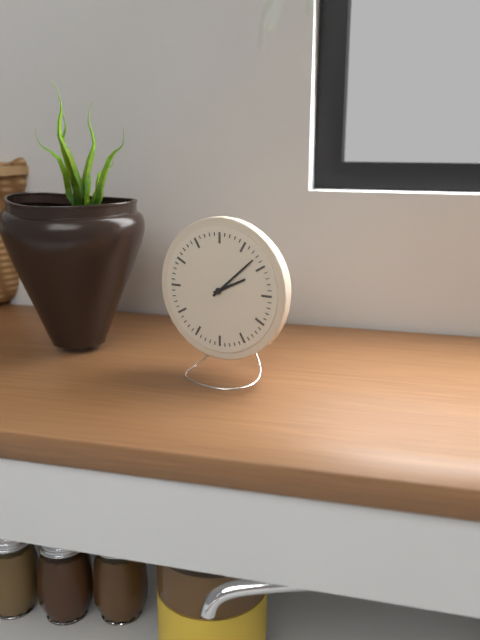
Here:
2,08
